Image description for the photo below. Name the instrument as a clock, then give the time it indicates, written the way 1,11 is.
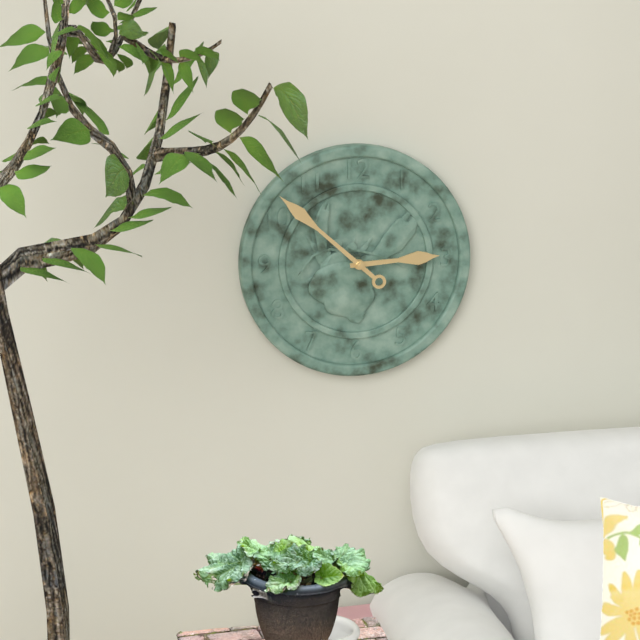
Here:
2,52
